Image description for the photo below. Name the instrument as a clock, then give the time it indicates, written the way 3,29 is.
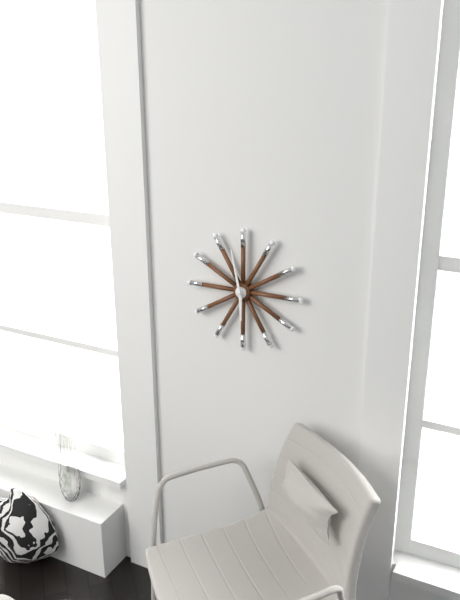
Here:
5,58
